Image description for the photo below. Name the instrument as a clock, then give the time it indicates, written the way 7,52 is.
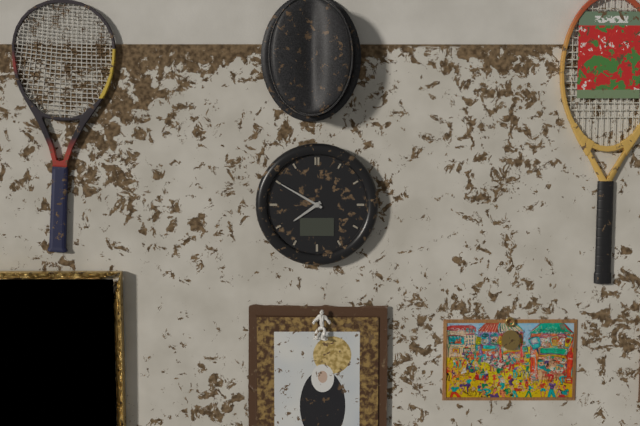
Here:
7,50
